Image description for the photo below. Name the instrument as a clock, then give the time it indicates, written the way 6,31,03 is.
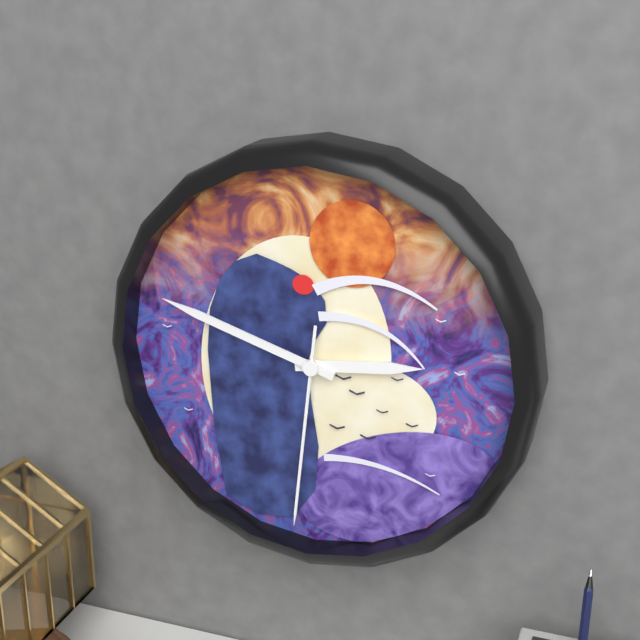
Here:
2,48,31
